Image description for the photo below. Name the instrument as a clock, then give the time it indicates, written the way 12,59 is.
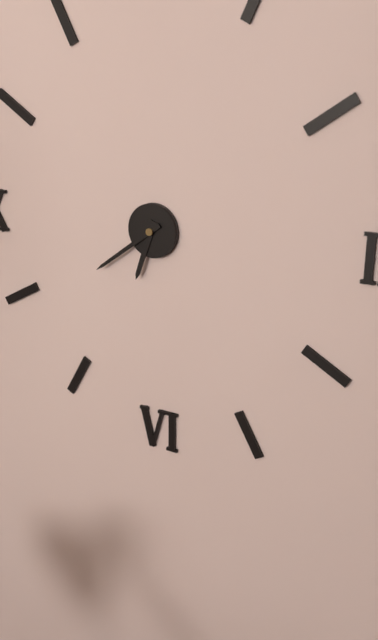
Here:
6,39
